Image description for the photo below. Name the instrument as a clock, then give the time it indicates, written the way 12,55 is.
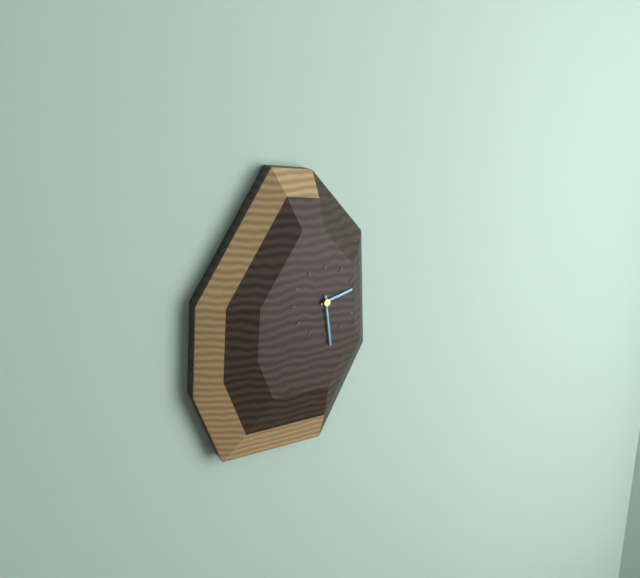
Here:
2,29
